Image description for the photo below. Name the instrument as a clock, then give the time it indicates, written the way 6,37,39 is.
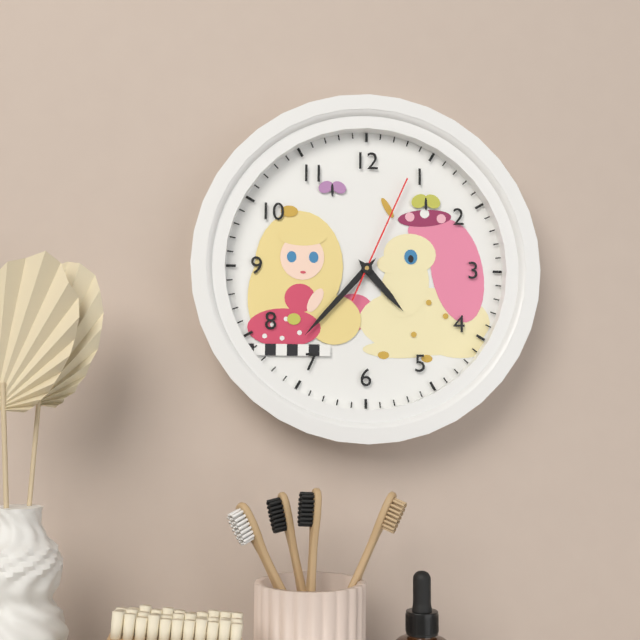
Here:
4,37,04
